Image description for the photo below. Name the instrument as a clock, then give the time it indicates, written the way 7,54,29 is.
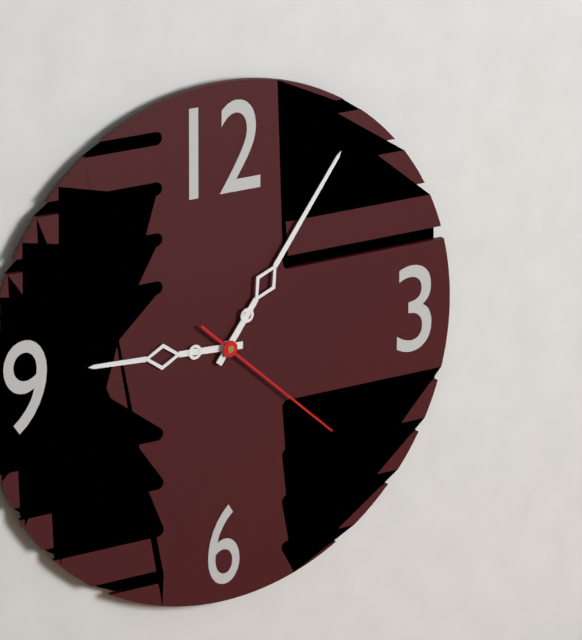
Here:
9,06,22
